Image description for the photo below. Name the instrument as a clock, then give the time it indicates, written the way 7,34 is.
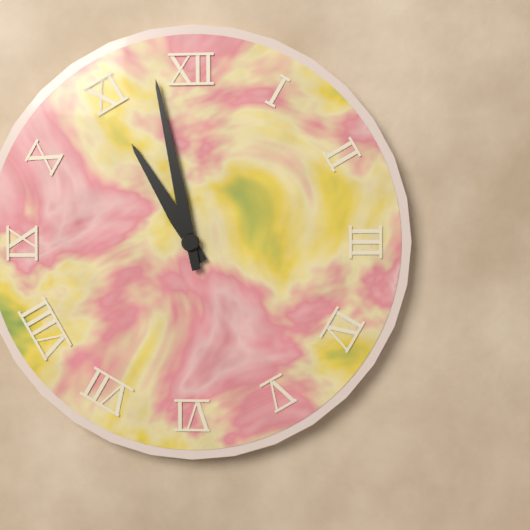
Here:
10,58
